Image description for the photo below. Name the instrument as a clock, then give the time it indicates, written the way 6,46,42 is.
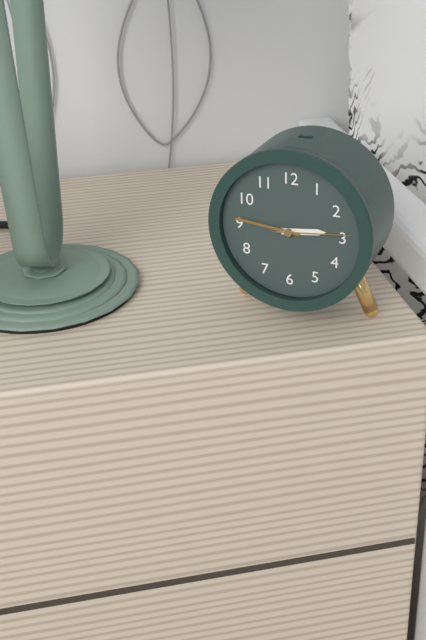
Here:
2,46,14
